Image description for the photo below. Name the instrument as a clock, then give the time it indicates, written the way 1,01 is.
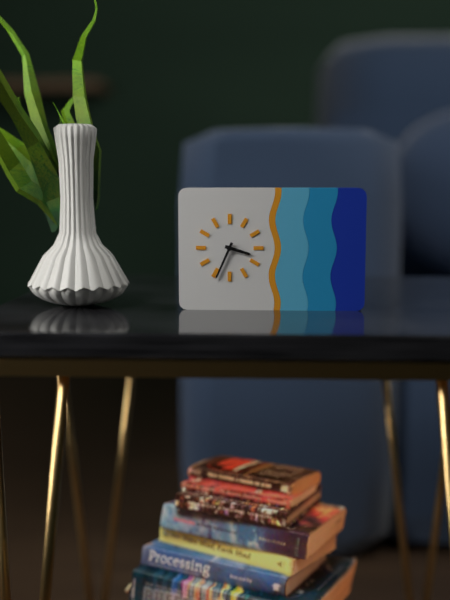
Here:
3,34
